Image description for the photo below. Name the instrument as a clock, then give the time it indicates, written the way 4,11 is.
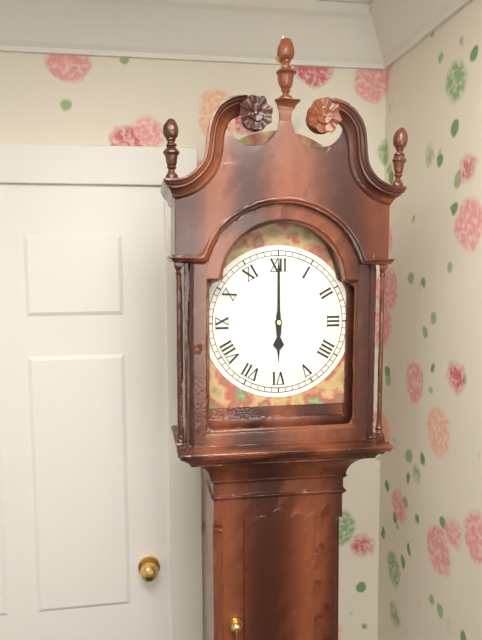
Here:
6,00
